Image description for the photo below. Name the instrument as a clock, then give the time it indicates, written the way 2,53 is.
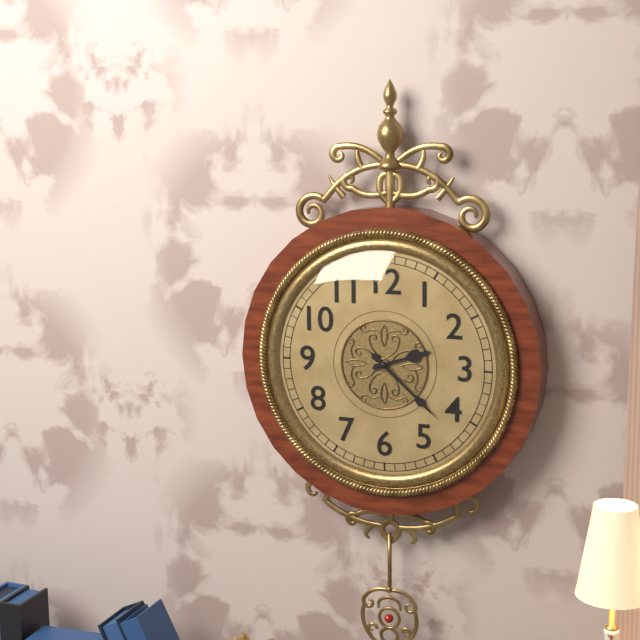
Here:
2,22
